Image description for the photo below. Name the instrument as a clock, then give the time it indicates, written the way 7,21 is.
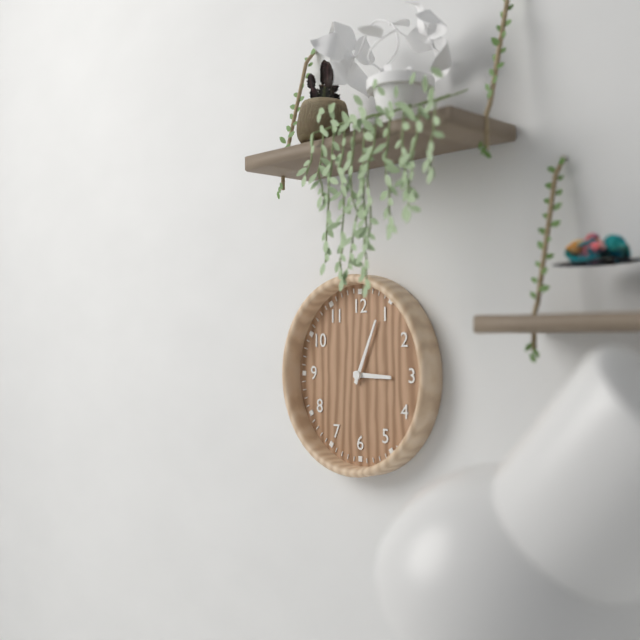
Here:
3,04
